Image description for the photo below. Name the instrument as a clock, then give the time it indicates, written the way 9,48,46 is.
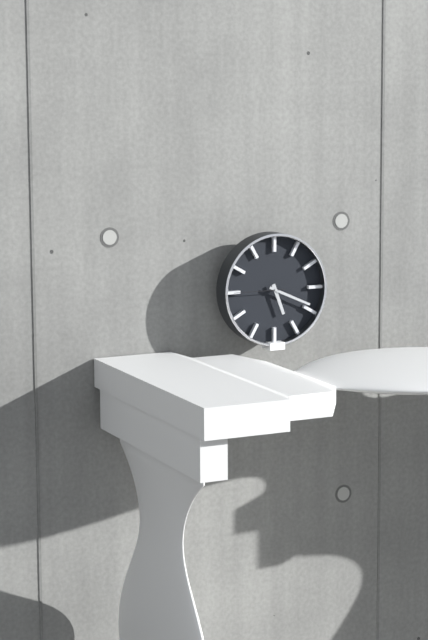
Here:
5,19,45
